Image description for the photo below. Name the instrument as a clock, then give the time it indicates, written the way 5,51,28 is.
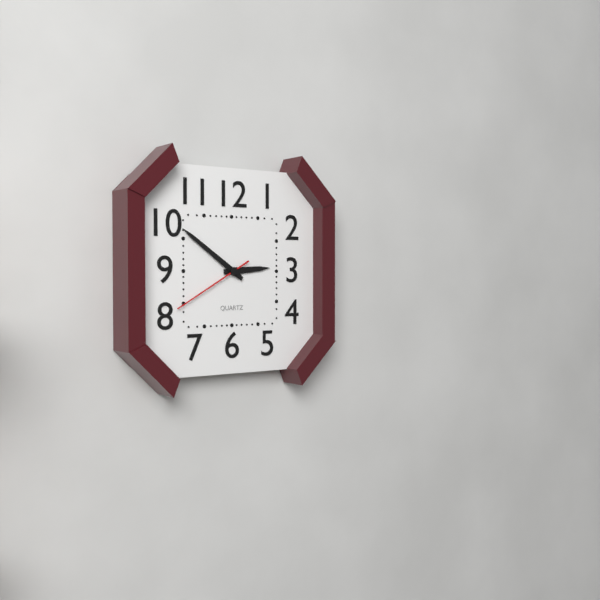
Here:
2,51,40
